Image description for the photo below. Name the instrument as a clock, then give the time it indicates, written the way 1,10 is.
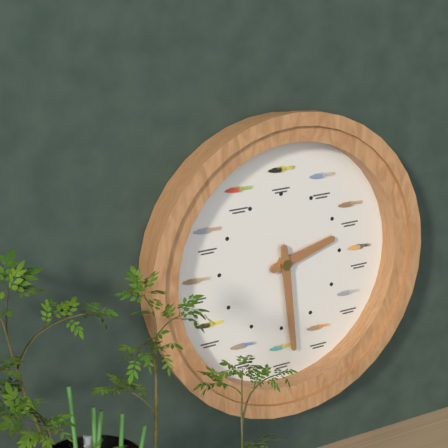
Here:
2,29
